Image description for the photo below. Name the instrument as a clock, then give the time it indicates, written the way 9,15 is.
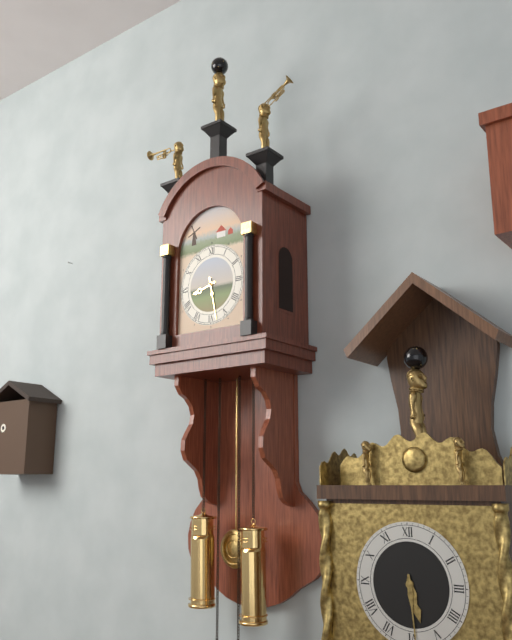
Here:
8,28
